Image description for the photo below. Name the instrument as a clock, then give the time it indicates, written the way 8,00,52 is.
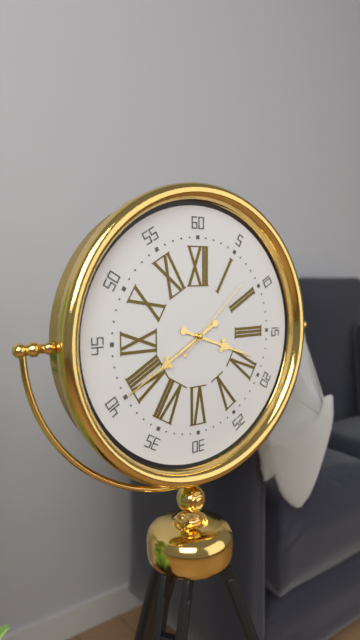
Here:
3,40,08
